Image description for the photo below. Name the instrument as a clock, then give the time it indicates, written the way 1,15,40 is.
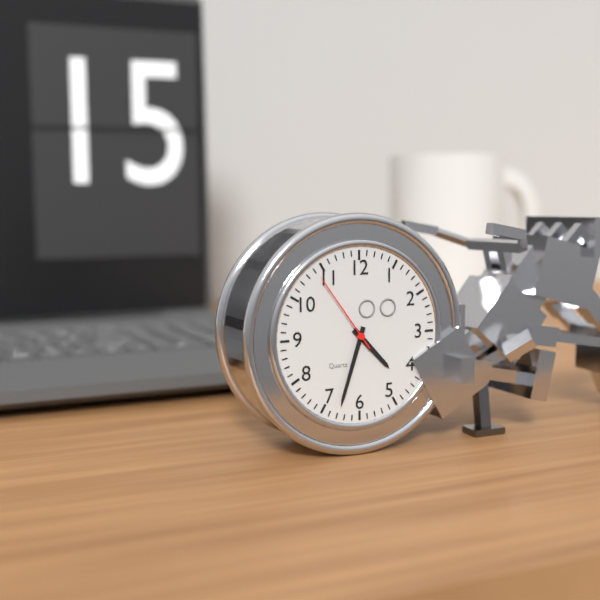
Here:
4,33,54
